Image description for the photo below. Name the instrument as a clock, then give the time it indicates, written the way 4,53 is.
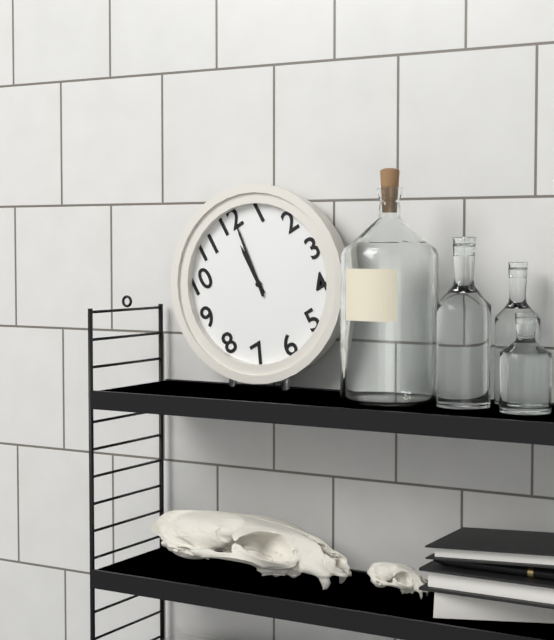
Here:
12,01
